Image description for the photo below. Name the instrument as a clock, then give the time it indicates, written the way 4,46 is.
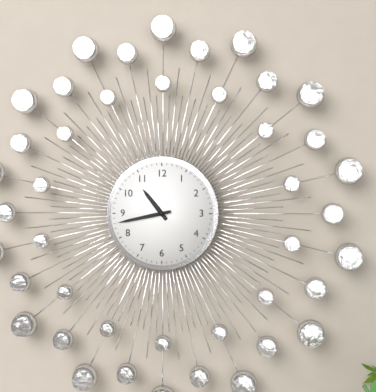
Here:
10,43
